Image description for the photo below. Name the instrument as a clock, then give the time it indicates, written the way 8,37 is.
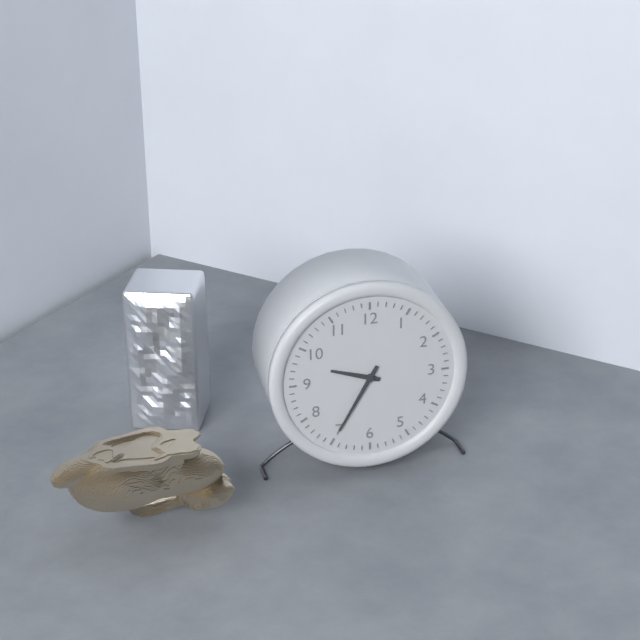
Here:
9,35
